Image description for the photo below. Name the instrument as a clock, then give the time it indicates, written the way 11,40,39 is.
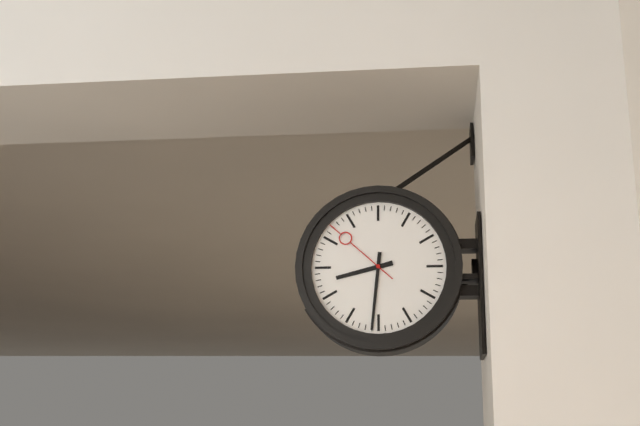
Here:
8,31,52
